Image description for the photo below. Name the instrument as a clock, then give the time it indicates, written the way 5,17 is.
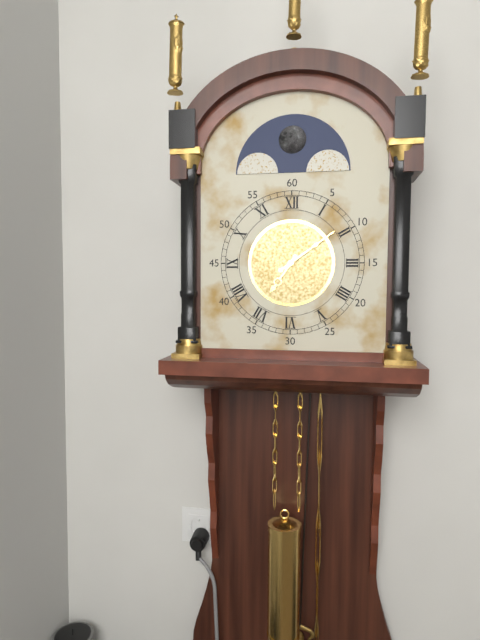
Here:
7,09
